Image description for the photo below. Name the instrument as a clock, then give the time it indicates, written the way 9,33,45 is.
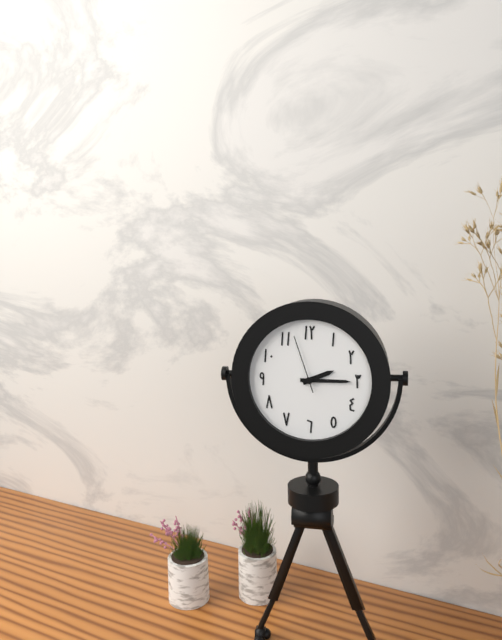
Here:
2,15,57
